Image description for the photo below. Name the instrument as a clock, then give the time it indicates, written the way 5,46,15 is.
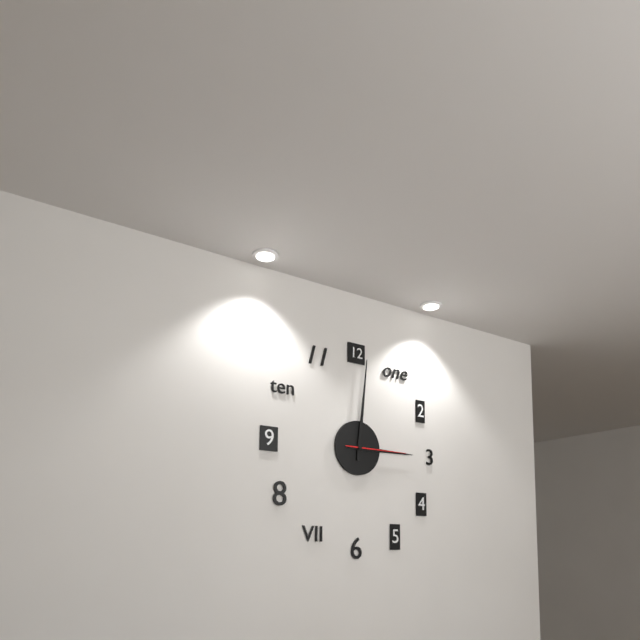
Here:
3,01,15
